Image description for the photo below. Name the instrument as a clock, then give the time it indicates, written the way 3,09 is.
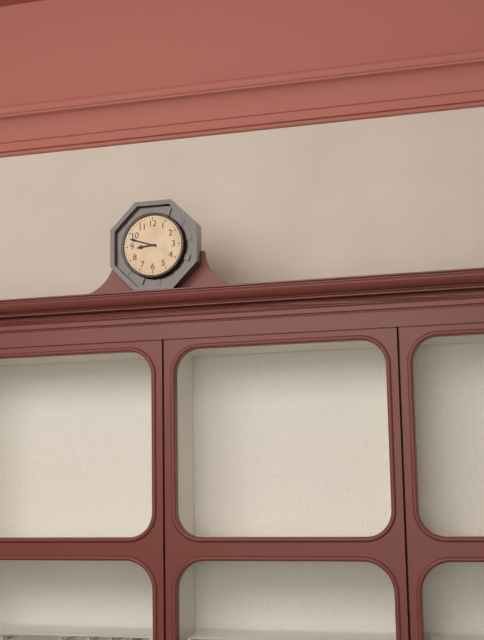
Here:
8,48
